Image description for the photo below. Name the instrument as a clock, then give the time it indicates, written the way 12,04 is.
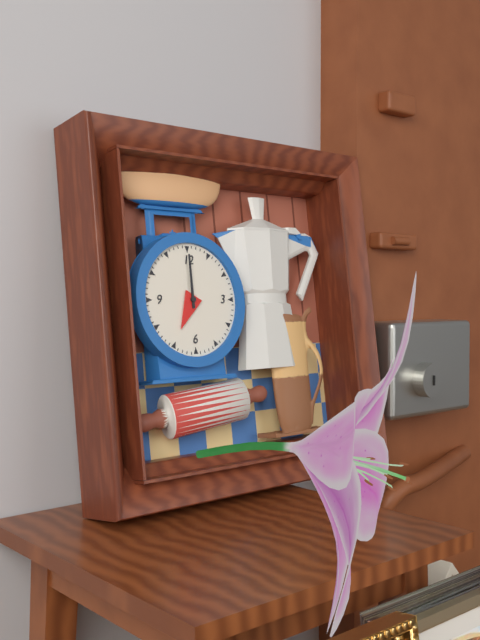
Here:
7,00
